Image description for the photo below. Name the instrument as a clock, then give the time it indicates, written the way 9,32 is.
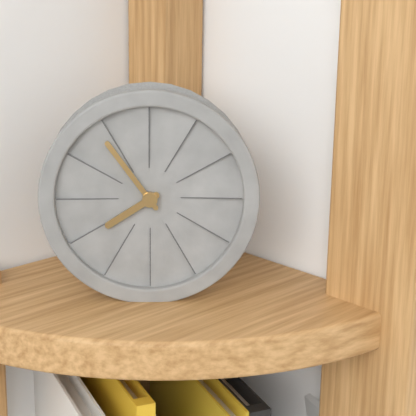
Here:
7,54
